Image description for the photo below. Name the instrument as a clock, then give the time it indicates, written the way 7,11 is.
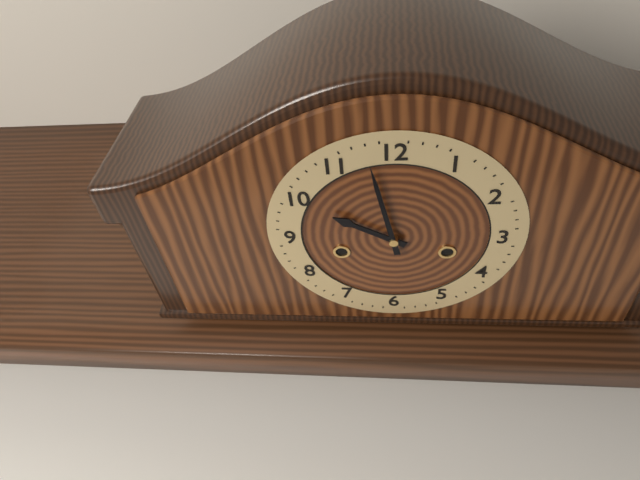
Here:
9,58
